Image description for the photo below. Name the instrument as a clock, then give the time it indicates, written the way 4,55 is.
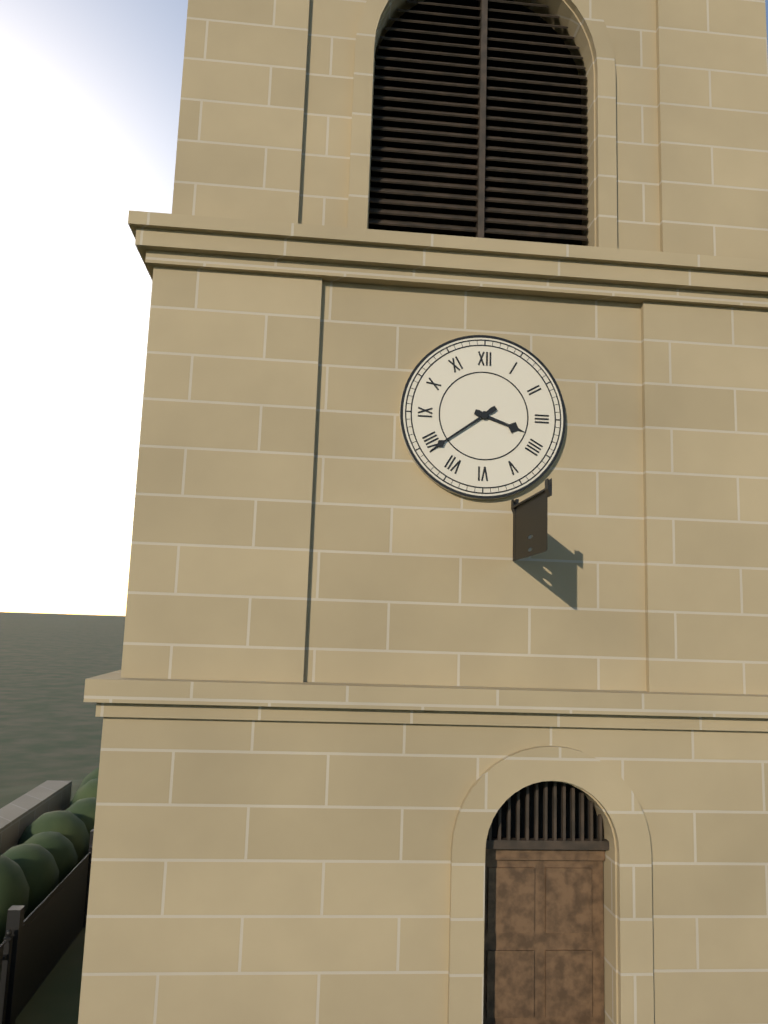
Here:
3,39
